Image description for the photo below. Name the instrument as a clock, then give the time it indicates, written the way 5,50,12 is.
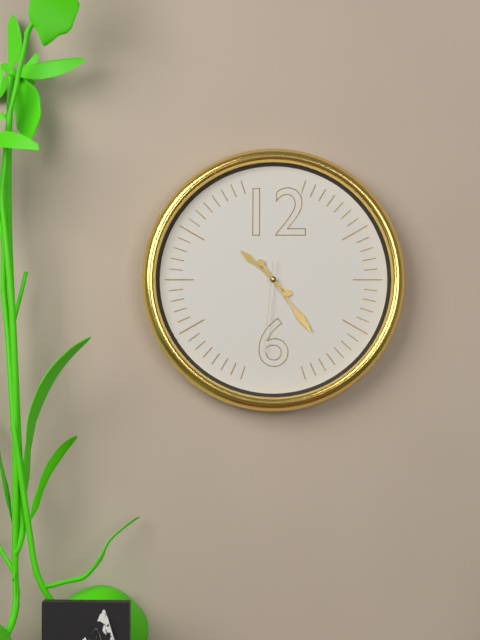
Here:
10,24,31
